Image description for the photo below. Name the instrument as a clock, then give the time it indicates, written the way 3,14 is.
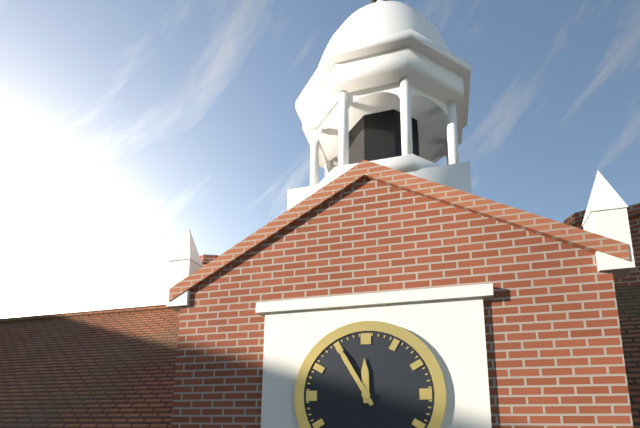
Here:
11,55
